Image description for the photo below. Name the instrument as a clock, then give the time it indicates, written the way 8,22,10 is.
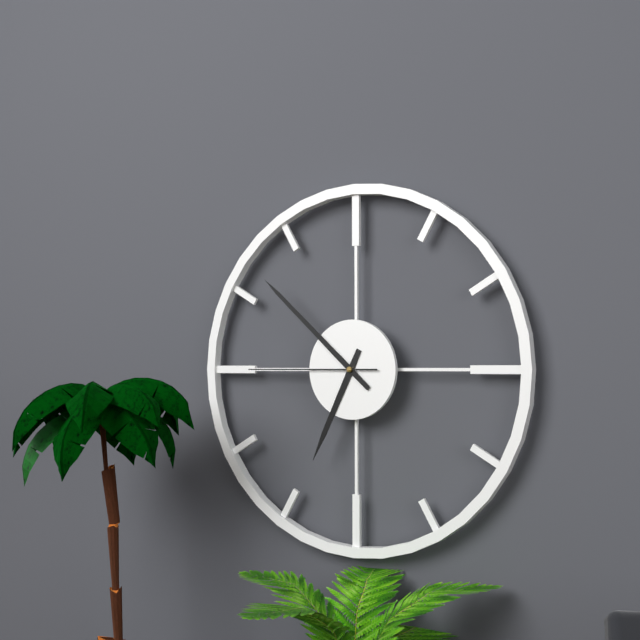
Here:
6,52,45
